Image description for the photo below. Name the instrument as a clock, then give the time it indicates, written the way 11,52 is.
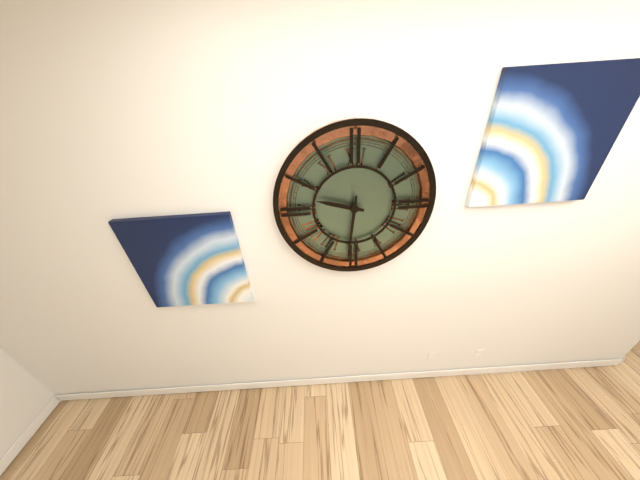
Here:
9,31
